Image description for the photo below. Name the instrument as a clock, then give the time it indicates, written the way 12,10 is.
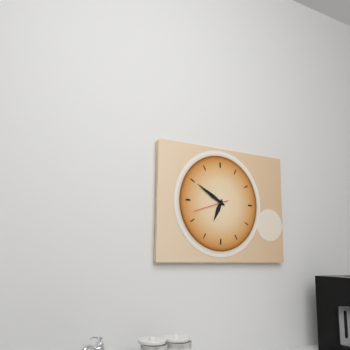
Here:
6,50
